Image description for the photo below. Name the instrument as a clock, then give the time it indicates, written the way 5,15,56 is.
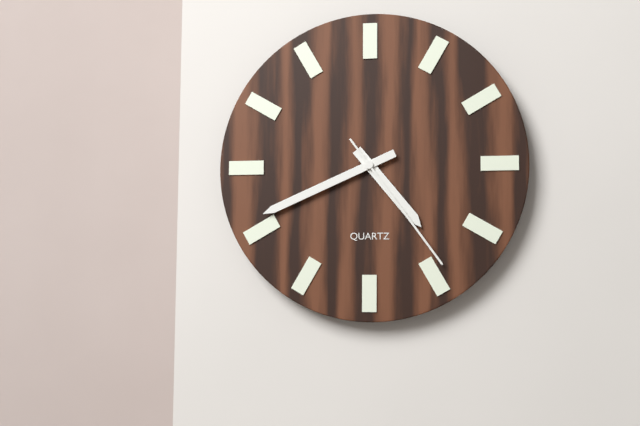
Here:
4,41,24
